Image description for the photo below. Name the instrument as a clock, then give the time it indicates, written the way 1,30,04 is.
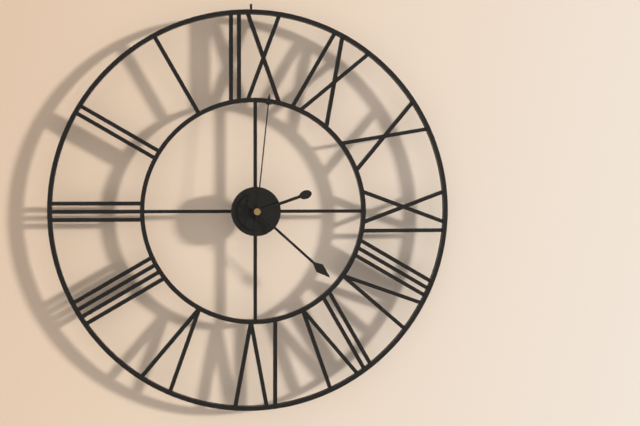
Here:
2,22,01
